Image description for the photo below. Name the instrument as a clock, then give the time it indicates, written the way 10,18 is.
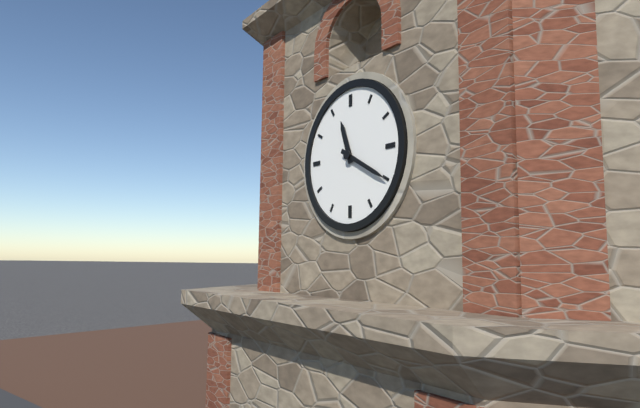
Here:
11,20
